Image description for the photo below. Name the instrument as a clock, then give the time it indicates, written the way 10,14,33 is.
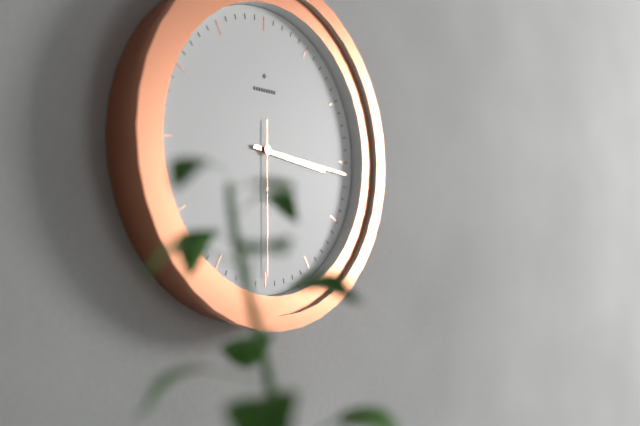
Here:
3,16,30
